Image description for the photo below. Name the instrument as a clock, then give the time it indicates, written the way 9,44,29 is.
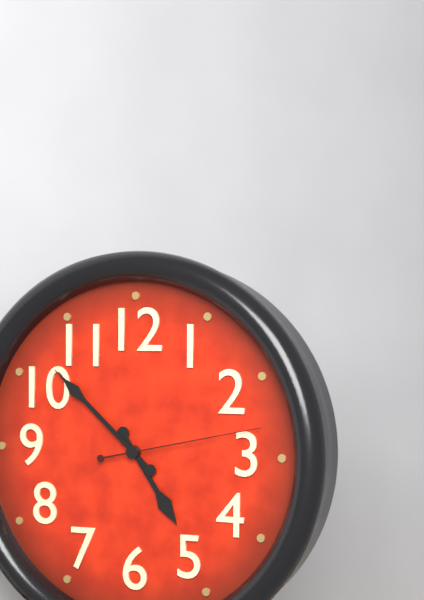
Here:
4,52,13
